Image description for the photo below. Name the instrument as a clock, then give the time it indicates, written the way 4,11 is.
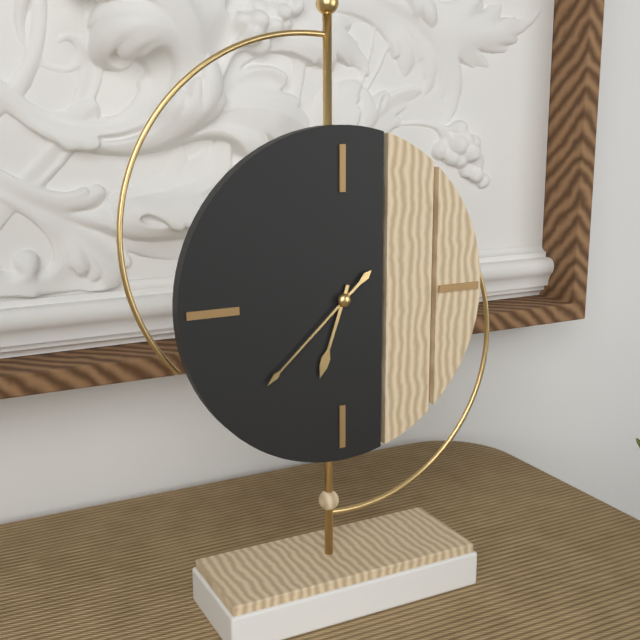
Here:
6,38
